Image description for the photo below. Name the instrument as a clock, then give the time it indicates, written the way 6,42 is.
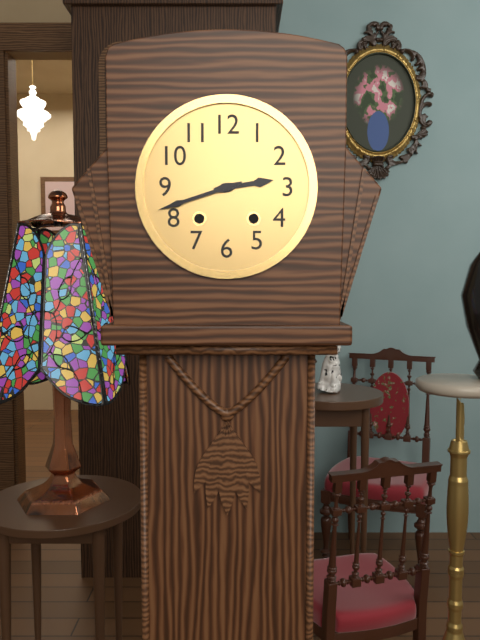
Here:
2,42
